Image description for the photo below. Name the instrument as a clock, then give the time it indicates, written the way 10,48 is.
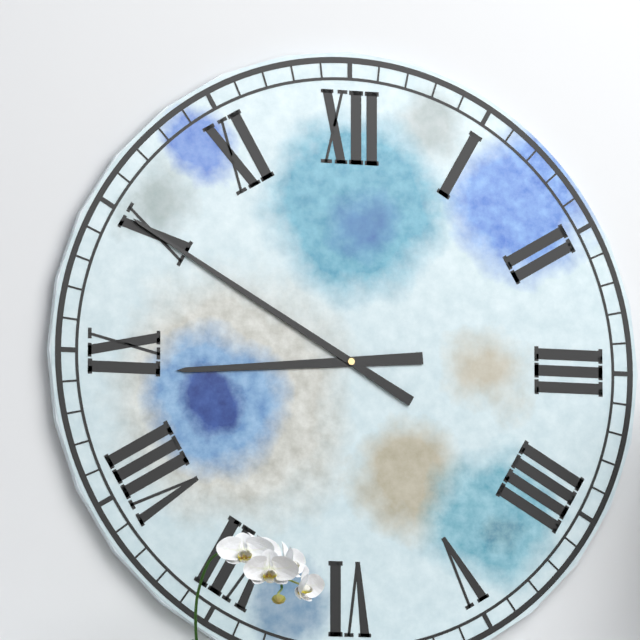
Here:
8,50
